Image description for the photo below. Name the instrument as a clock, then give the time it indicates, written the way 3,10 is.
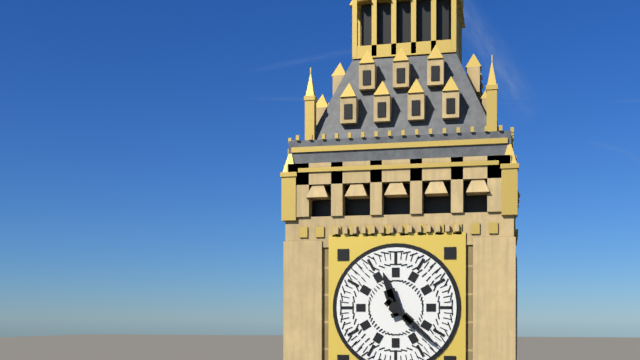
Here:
11,22
